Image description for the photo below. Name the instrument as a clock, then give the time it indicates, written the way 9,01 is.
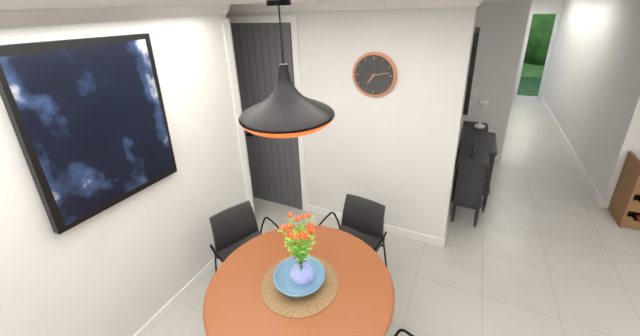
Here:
7,13
